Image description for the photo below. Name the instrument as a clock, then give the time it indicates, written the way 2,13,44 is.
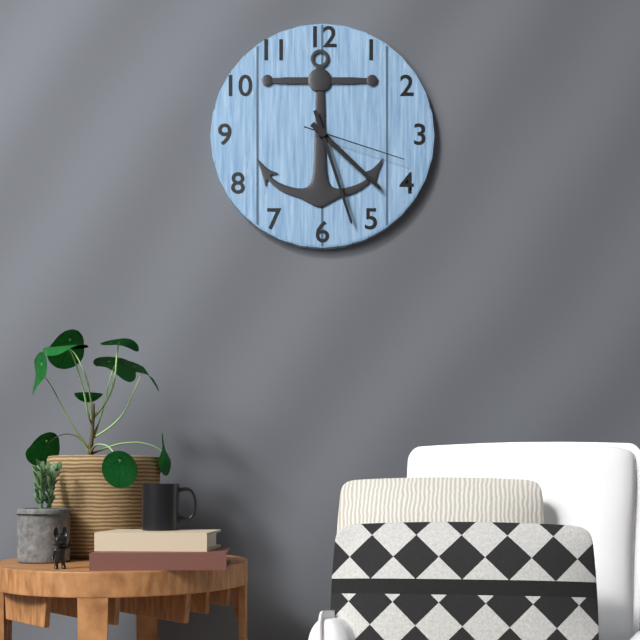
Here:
4,27,18
